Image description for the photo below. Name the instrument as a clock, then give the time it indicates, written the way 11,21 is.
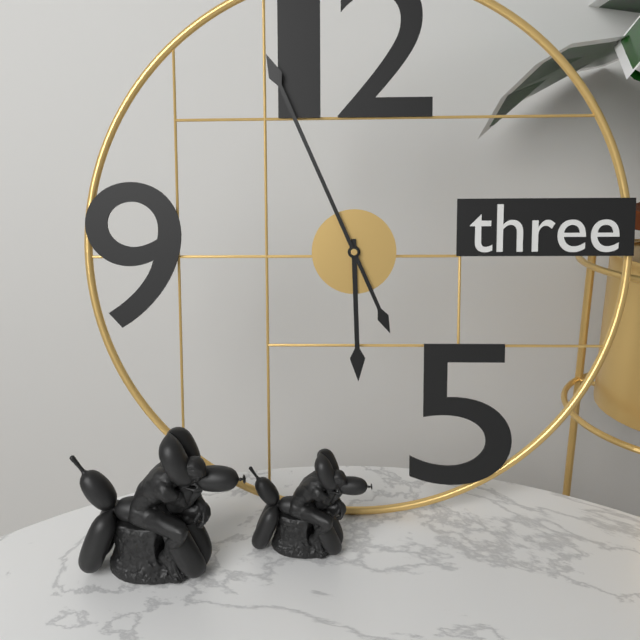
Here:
5,56
